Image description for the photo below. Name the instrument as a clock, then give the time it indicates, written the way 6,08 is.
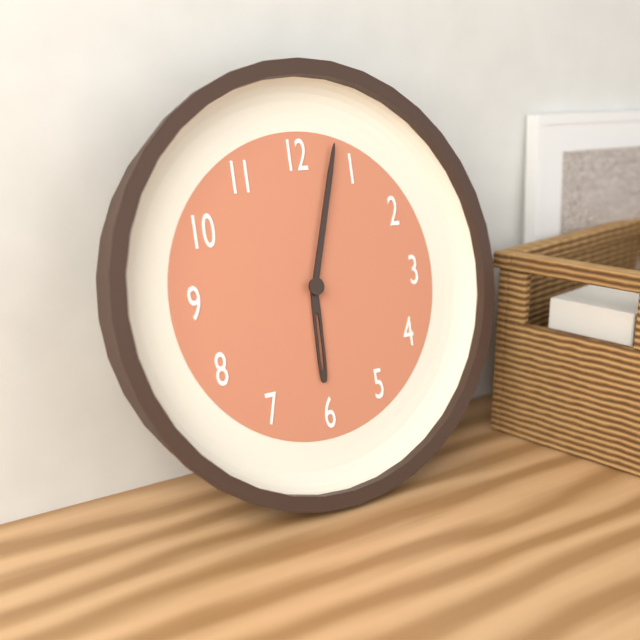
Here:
6,03
